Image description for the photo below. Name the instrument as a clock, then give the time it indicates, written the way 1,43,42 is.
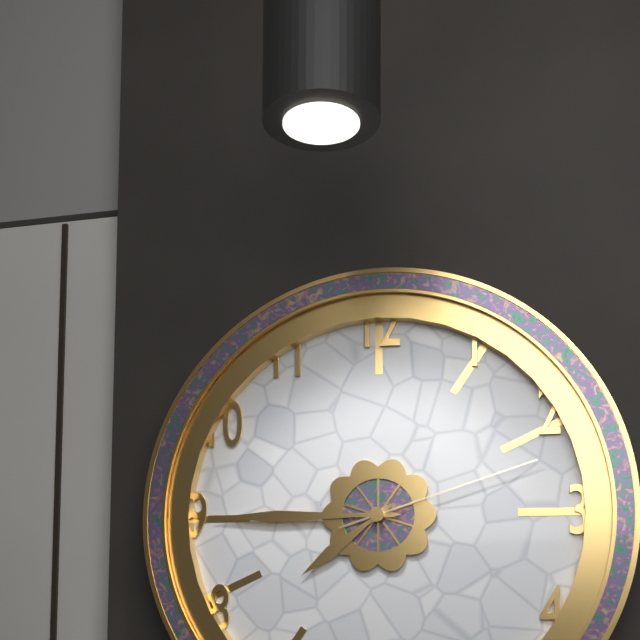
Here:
7,45,12
